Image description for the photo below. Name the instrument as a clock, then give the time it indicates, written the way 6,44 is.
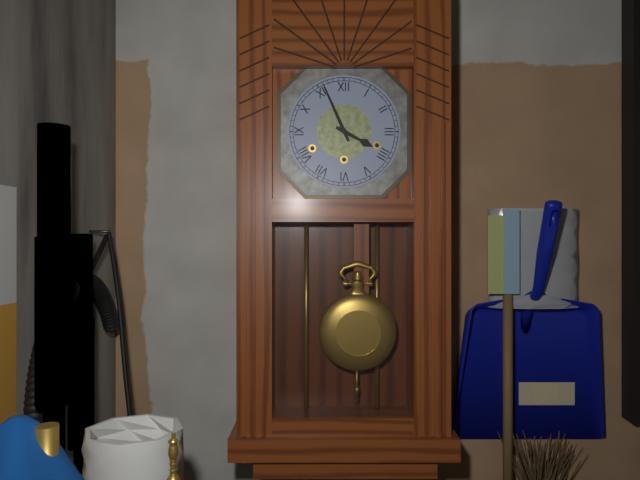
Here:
3,56
